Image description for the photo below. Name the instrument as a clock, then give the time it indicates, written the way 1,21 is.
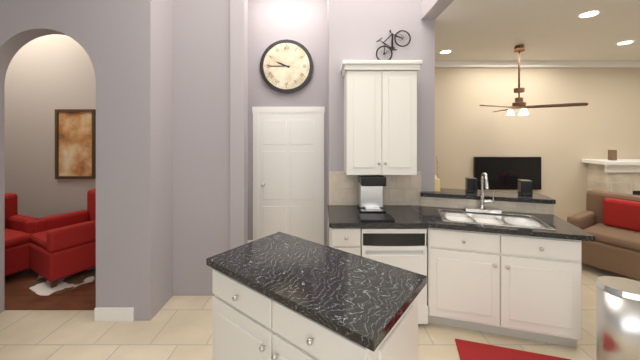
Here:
9,45
